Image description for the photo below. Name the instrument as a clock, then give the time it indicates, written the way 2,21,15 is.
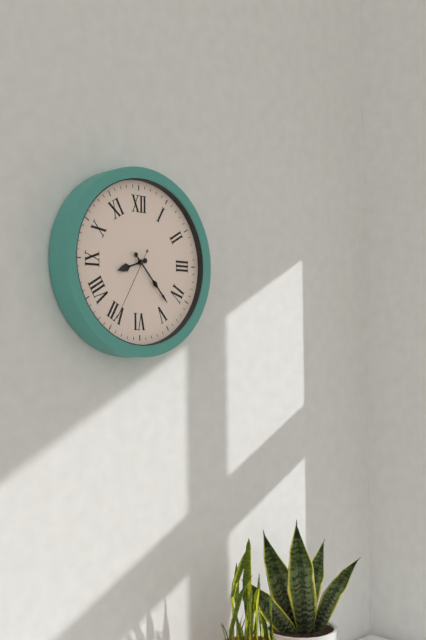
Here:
8,23,35
